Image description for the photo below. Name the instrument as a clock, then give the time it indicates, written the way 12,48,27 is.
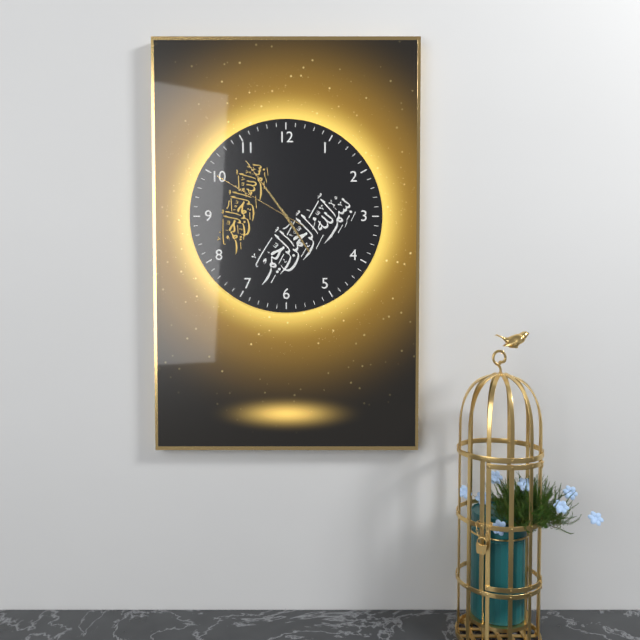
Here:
4,54,50
